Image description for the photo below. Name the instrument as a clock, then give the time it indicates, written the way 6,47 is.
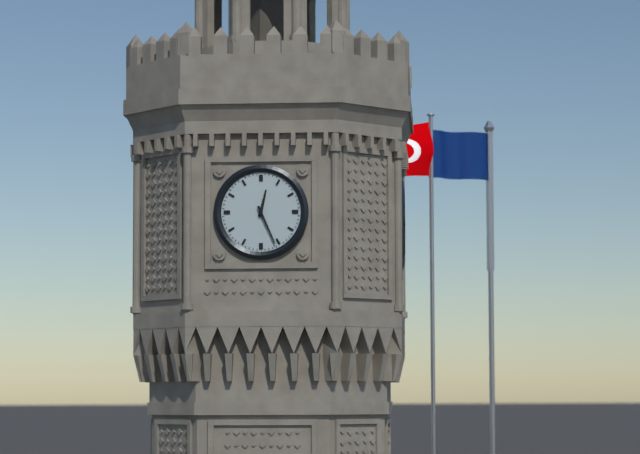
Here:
12,26
